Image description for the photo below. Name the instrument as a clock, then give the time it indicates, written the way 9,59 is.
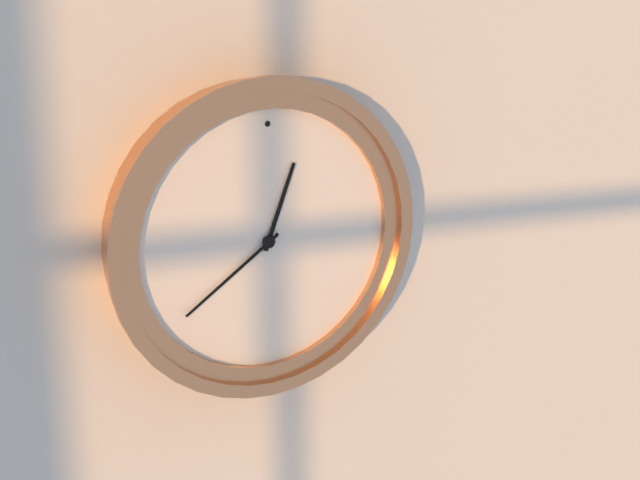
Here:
12,39
